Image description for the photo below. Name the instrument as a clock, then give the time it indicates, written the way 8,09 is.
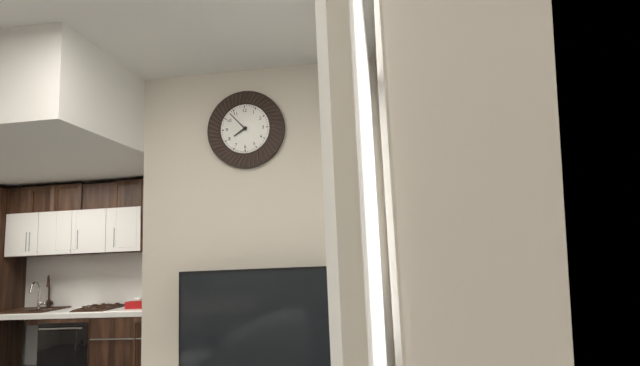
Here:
7,53
